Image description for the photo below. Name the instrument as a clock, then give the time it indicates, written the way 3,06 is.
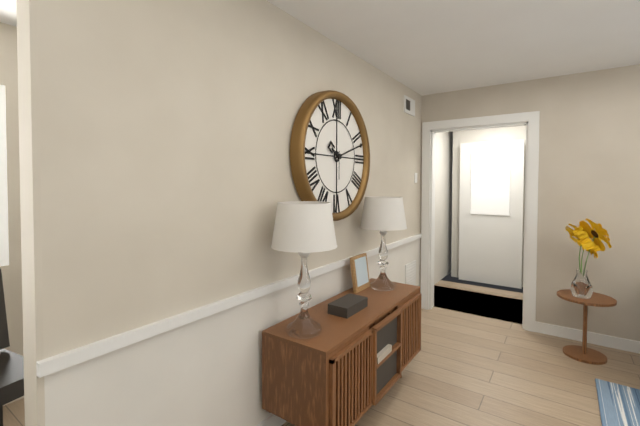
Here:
10,12
